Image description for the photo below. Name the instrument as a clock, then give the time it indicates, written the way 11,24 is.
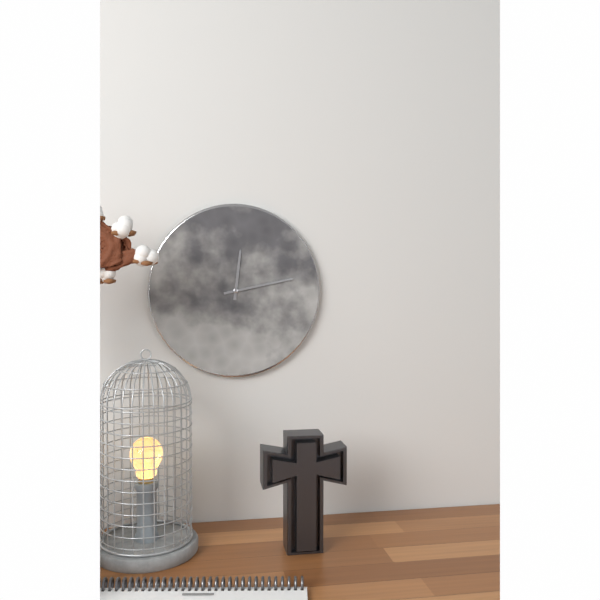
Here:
12,13
